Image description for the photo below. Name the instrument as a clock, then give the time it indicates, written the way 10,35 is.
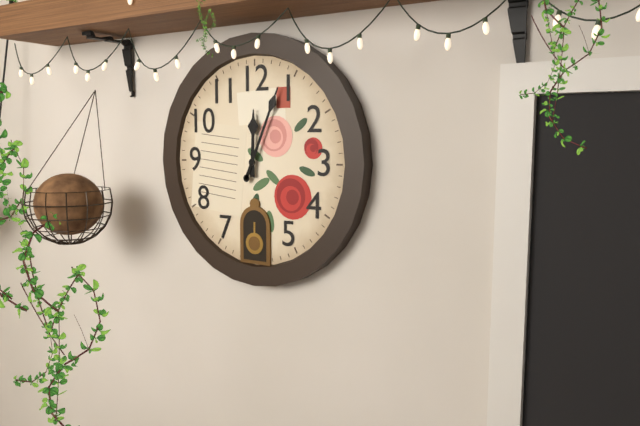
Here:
12,04
